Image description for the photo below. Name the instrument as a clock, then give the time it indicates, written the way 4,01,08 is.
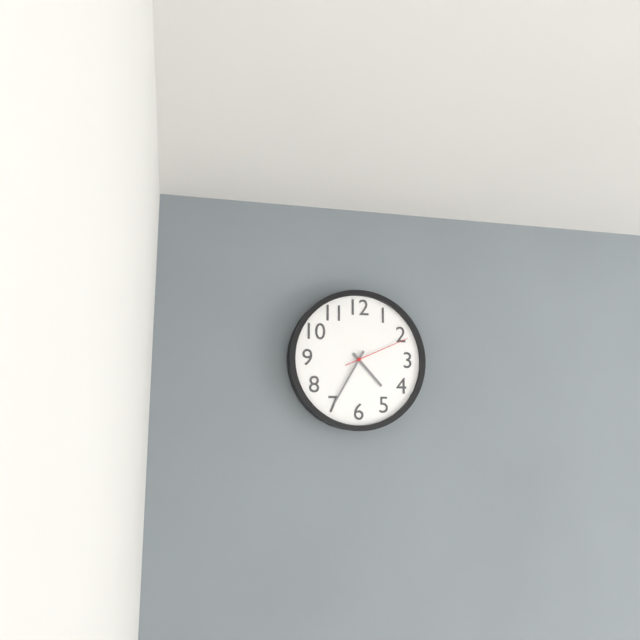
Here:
4,35,11
